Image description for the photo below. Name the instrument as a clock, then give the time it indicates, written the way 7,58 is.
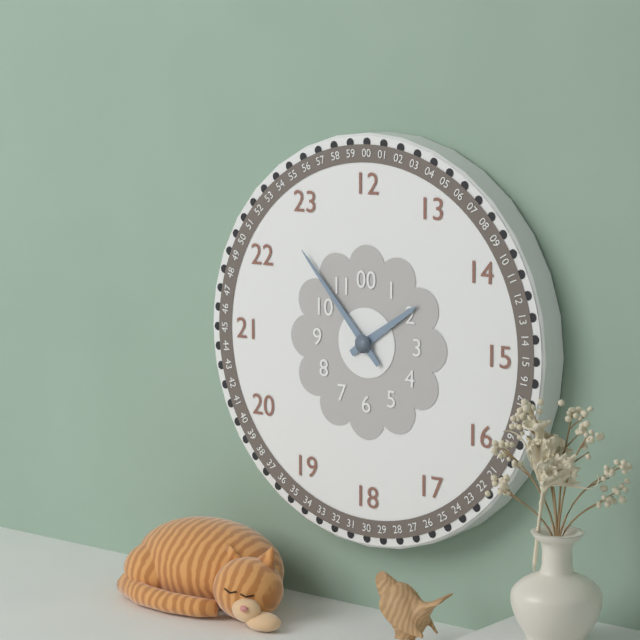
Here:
1,53
